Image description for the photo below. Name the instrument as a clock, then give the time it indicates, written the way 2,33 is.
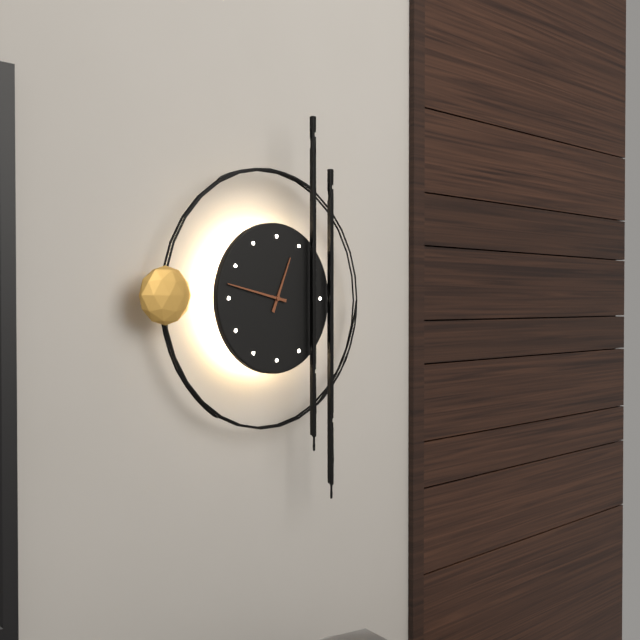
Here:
12,47
